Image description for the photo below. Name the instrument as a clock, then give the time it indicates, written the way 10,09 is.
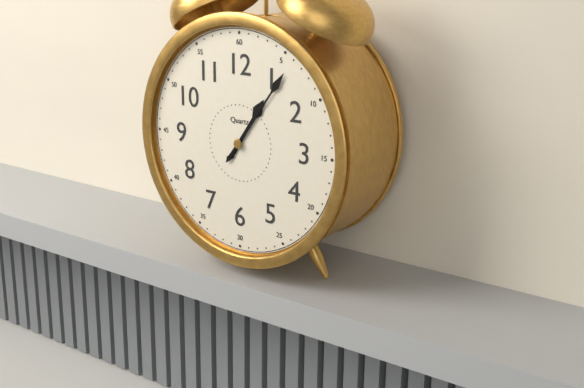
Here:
1,06
